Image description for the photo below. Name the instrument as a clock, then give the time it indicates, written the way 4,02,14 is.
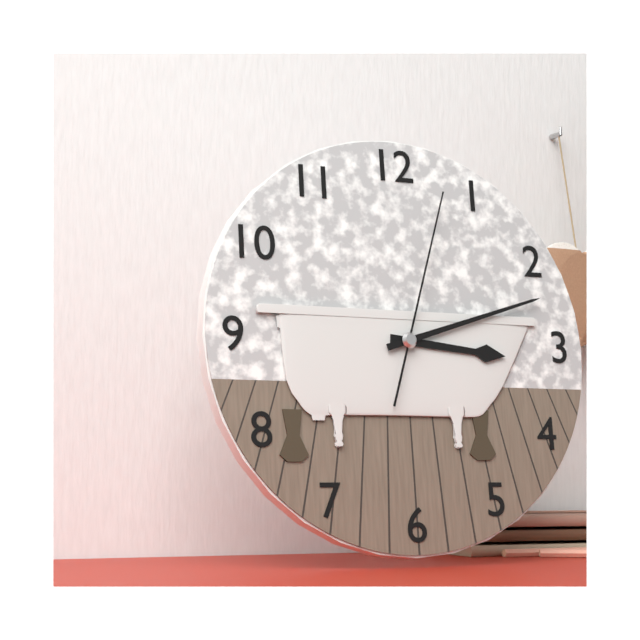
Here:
3,12,03
